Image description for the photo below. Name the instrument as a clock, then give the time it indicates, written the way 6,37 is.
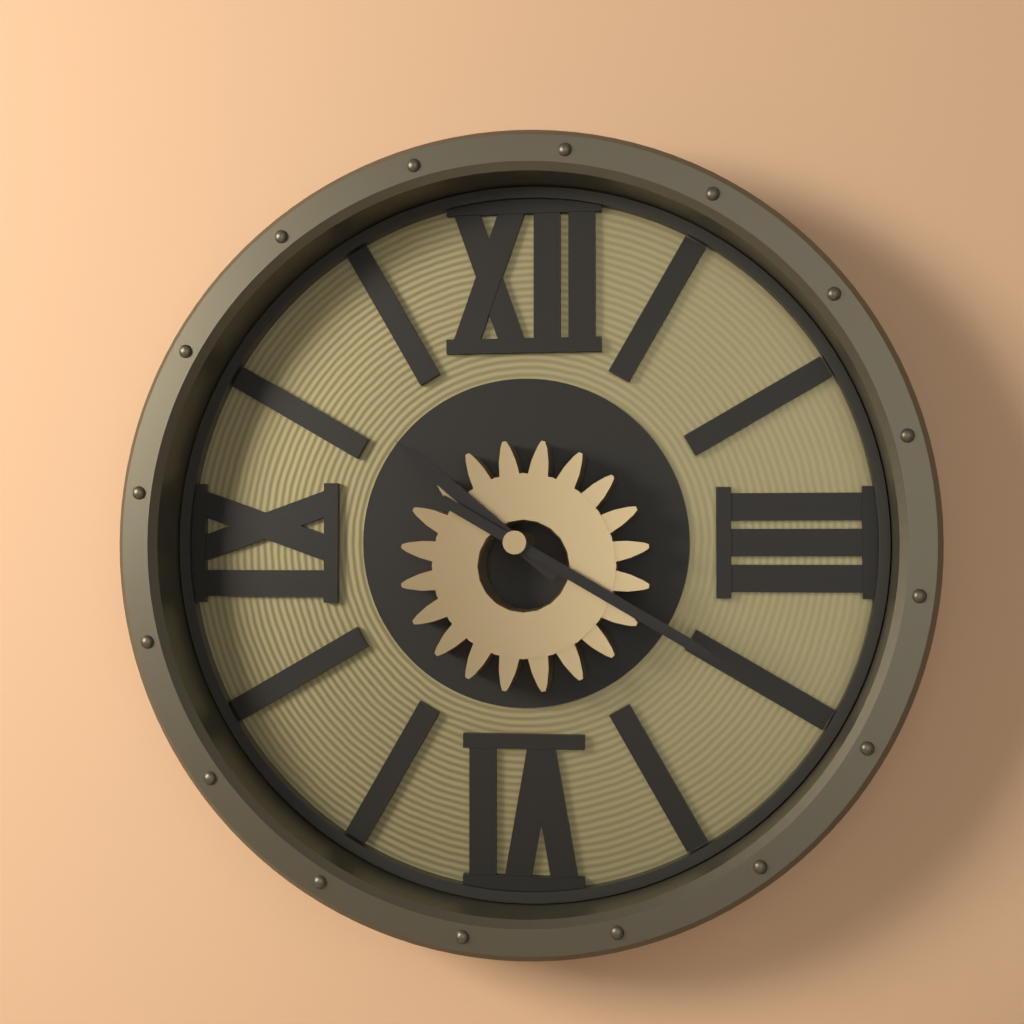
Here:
10,20
